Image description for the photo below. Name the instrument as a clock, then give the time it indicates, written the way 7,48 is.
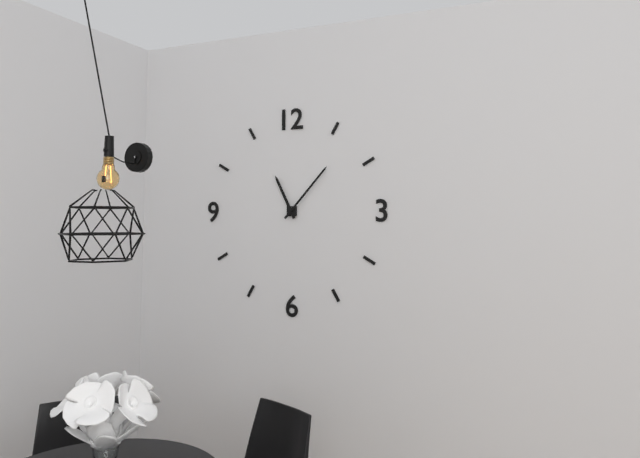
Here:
11,07
